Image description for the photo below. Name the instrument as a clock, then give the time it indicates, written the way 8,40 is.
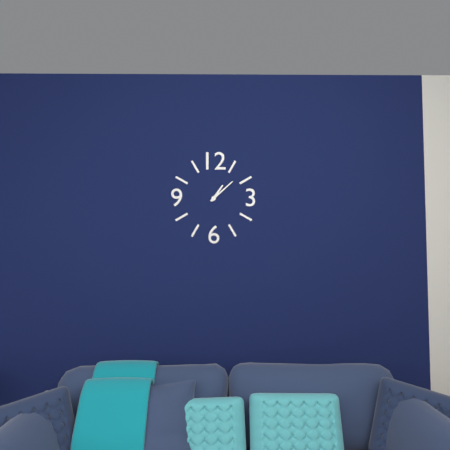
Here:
1,08
